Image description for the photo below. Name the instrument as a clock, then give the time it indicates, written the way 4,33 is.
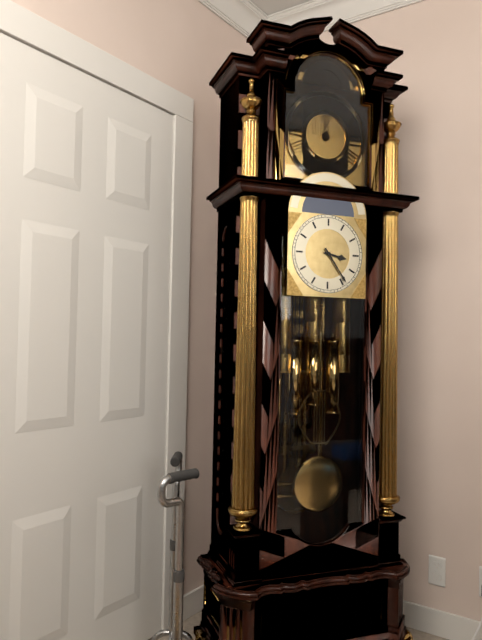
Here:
3,24
